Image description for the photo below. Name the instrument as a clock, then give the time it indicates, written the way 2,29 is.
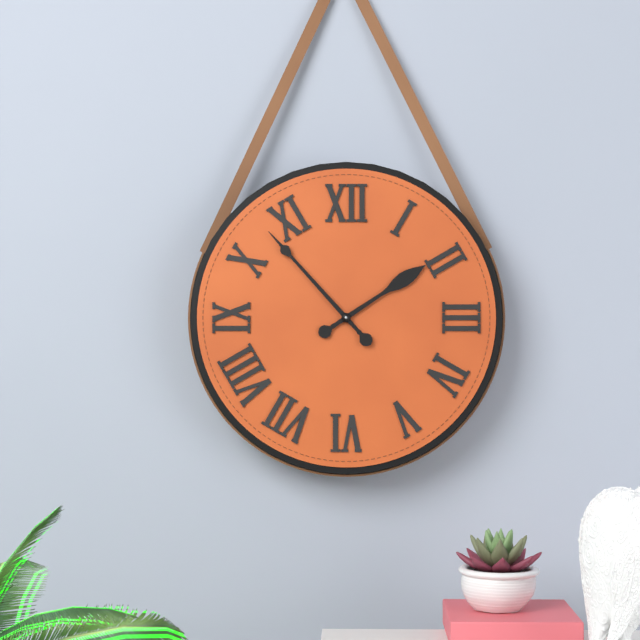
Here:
1,53
